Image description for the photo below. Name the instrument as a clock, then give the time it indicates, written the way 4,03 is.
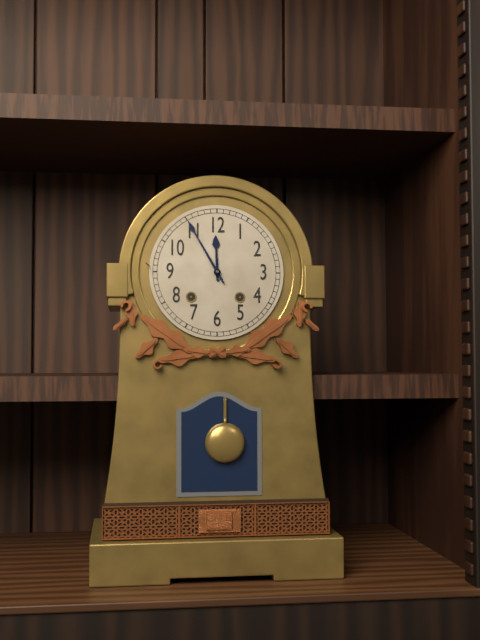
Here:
11,55
